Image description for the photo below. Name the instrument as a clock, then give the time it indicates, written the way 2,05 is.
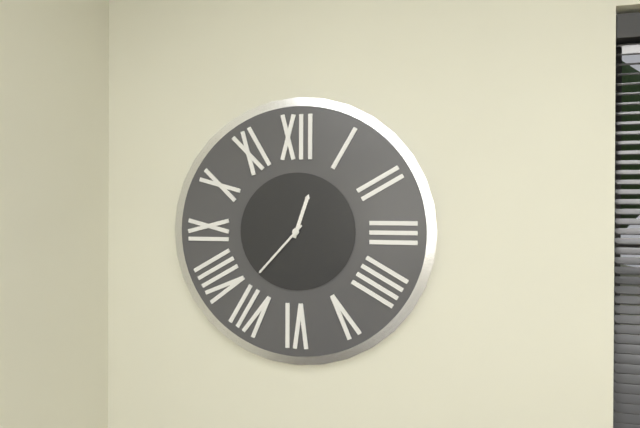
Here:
12,37
